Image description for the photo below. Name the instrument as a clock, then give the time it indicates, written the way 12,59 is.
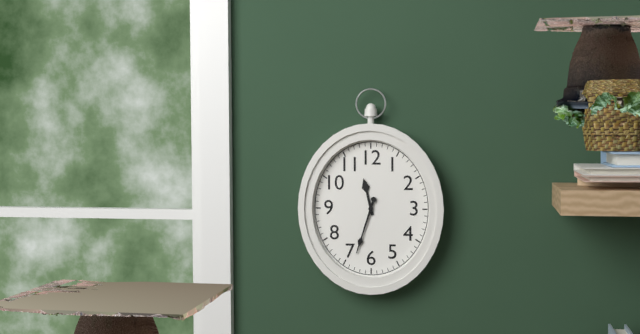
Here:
11,33
